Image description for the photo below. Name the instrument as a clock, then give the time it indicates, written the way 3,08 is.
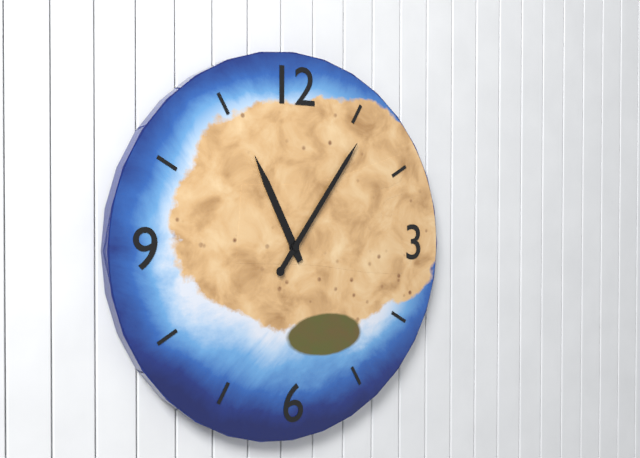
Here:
11,06
